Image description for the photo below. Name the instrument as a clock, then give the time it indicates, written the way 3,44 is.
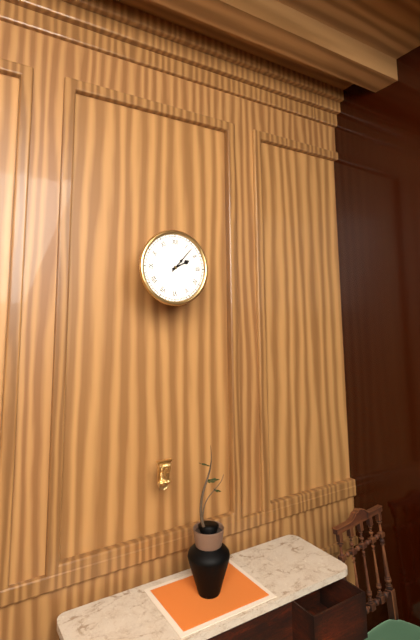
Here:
2,07
